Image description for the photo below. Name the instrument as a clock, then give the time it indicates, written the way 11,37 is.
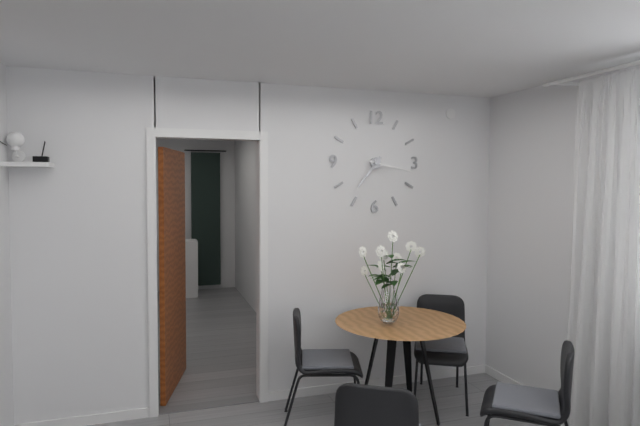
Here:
7,17
